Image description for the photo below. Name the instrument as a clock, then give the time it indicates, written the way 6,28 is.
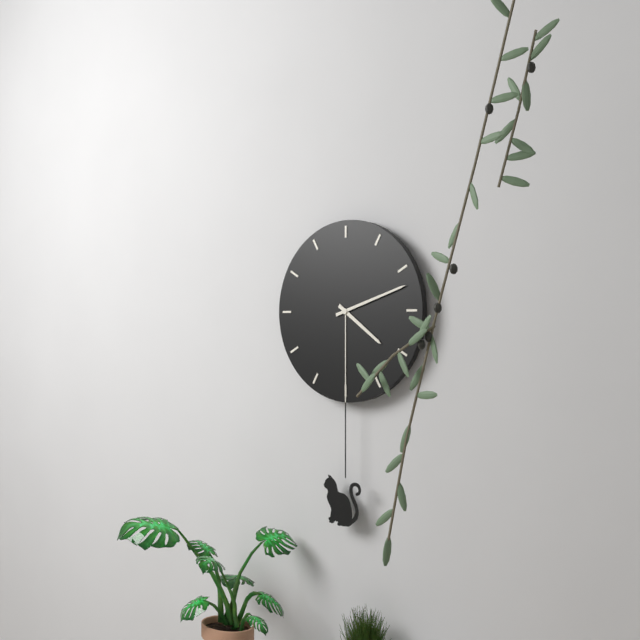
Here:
4,12
